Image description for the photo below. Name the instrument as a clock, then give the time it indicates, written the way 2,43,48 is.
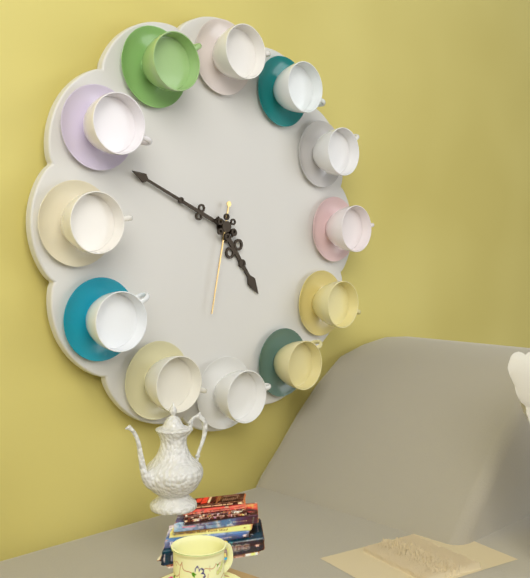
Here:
4,49,32
